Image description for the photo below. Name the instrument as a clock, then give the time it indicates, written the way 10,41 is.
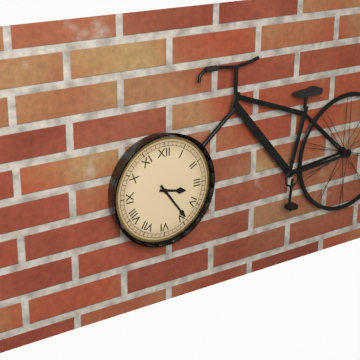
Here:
3,24
